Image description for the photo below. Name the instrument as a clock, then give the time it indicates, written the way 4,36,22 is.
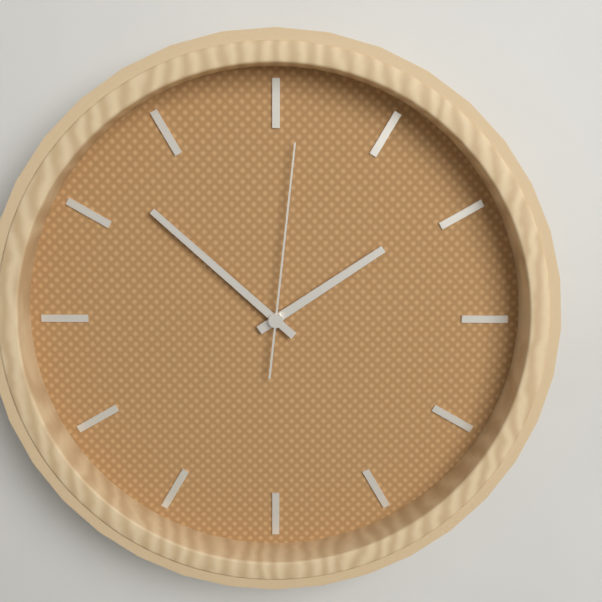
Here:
1,52,01
